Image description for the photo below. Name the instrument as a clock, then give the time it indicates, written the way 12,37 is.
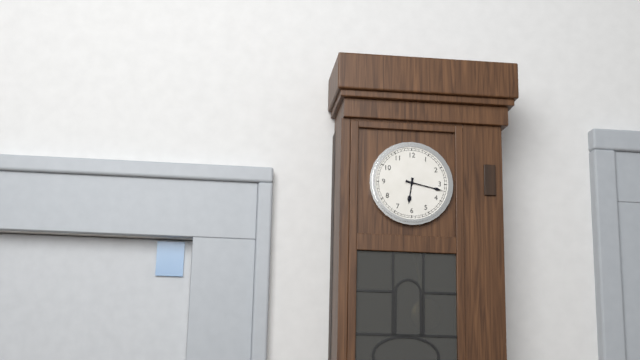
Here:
6,17
